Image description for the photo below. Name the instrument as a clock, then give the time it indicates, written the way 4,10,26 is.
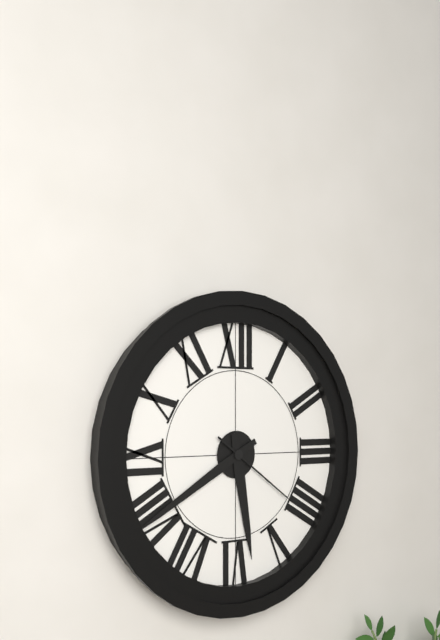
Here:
5,40,21
